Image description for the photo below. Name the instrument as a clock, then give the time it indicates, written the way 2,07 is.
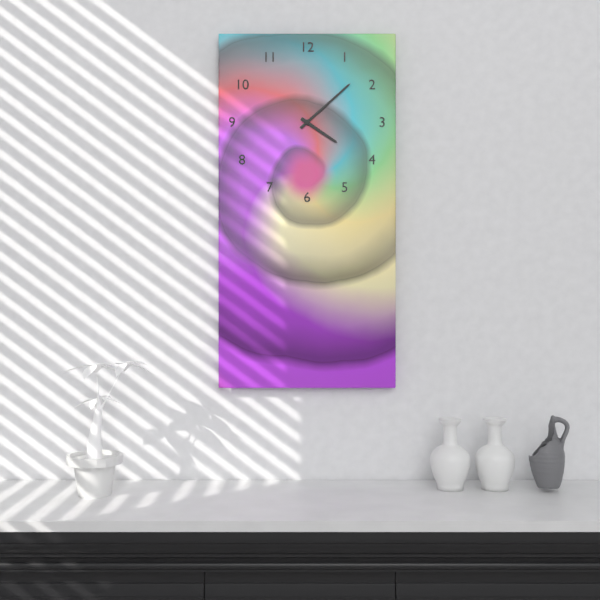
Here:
4,08
